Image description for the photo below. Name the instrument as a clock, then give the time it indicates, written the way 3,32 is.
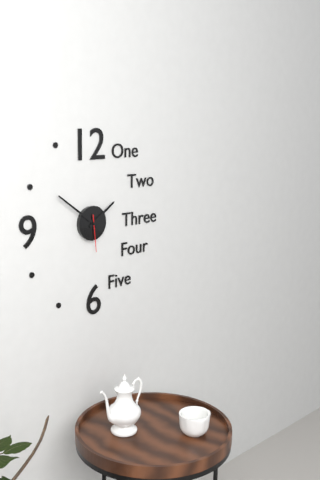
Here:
1,51
